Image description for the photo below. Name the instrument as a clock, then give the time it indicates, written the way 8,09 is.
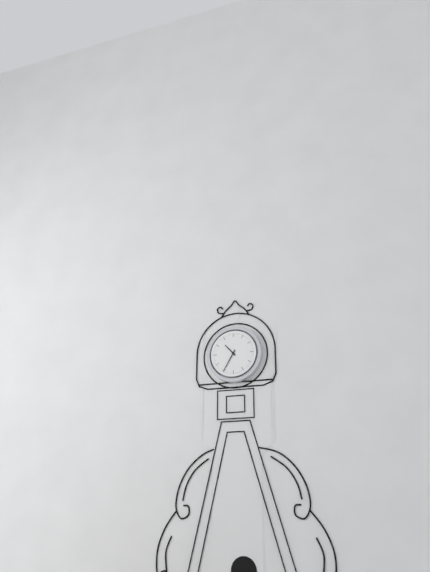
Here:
10,35
